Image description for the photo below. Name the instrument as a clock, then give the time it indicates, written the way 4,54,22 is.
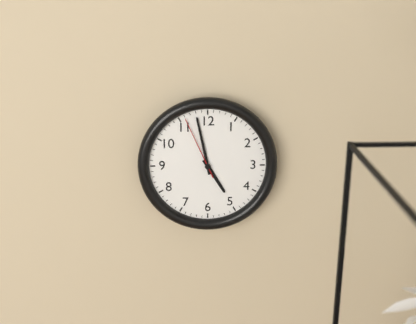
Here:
4,58,56
